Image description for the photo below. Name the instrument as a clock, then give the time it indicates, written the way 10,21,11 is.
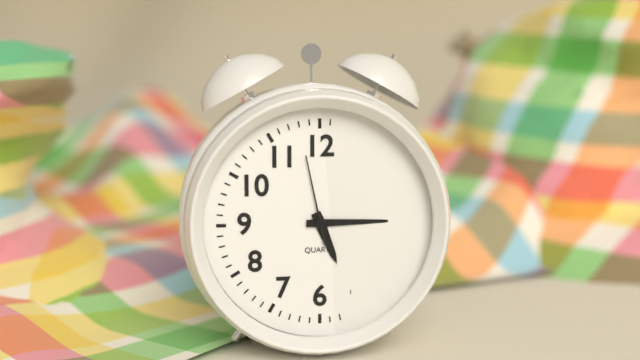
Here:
5,15,58
